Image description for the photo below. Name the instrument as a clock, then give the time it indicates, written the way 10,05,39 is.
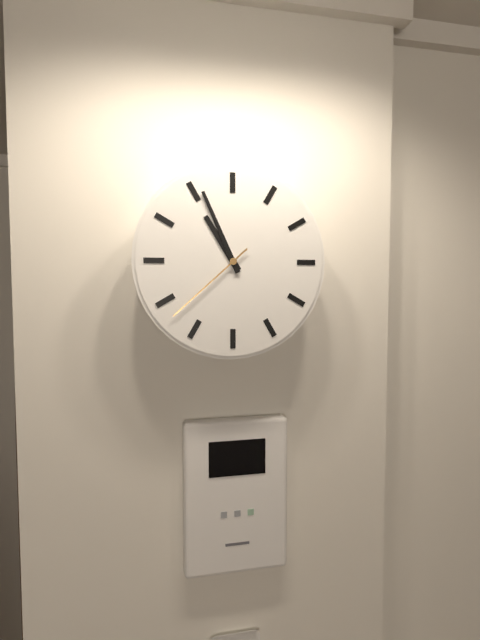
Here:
10,56,38
